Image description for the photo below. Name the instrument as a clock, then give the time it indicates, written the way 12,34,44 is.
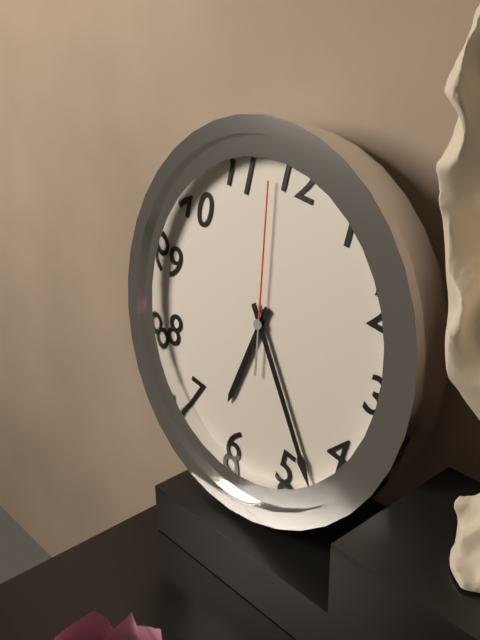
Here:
6,23,58
